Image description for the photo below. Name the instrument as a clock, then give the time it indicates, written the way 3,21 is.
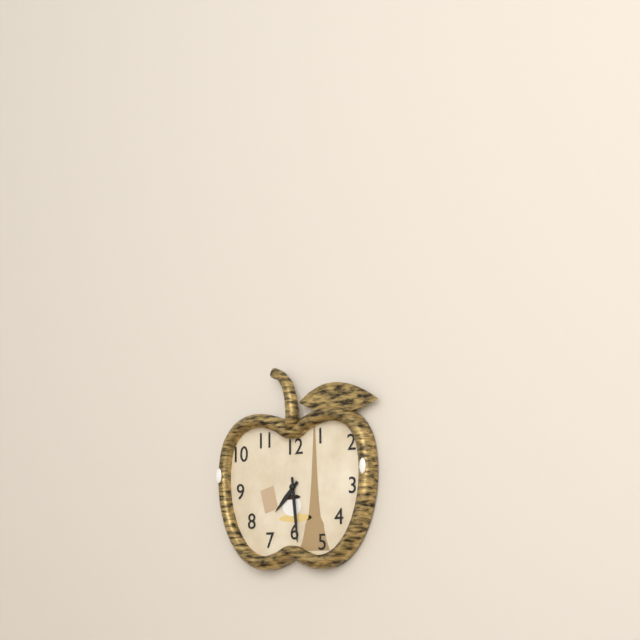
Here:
7,29
